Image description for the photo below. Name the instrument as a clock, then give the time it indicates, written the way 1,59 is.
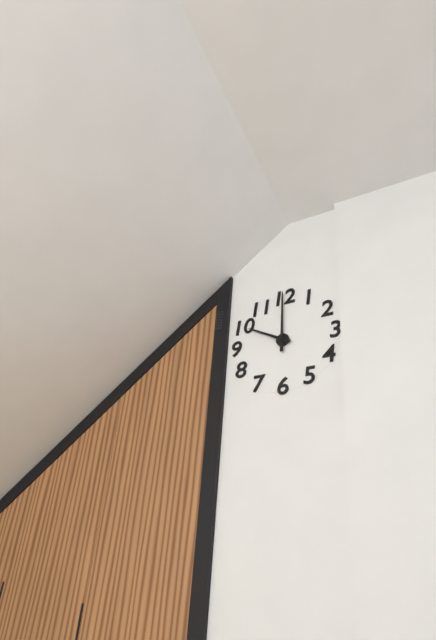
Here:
10,00
